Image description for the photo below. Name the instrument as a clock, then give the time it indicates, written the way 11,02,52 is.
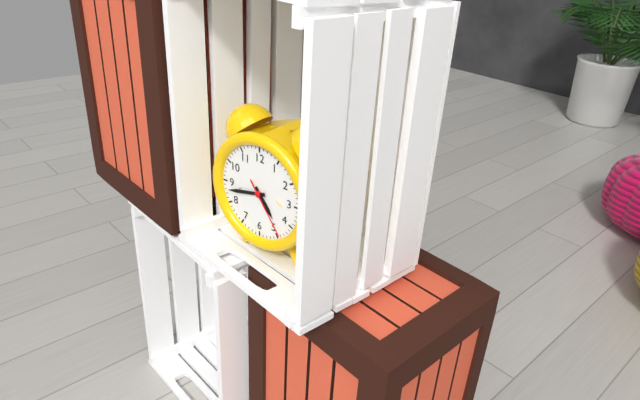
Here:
4,43,24
